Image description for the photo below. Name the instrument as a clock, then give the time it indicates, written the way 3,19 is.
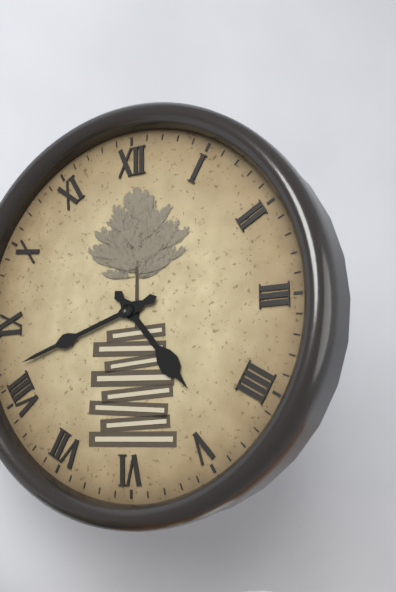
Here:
4,42
